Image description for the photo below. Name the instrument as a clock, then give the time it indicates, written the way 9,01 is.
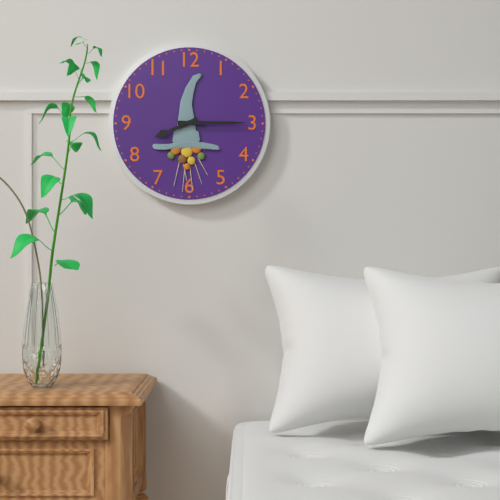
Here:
8,15
